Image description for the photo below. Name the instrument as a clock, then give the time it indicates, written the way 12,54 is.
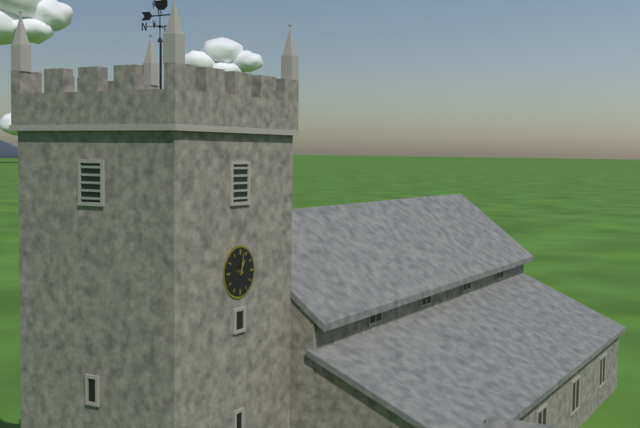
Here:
1,02
